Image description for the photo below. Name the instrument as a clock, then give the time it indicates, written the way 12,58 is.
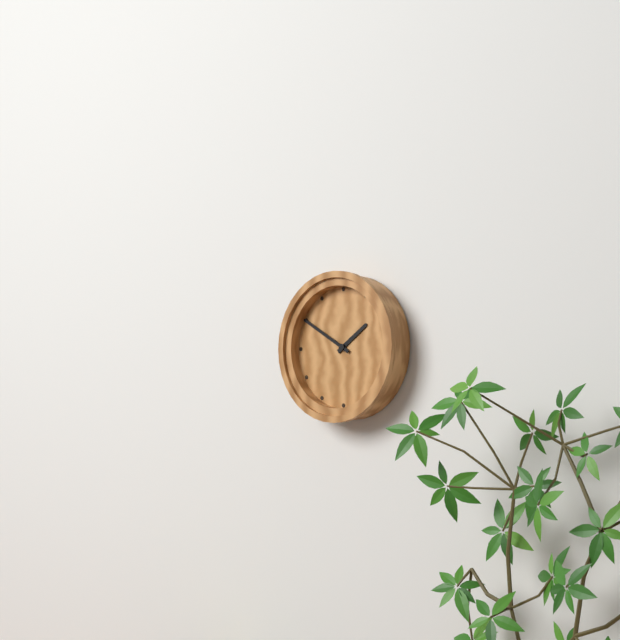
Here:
1,50
